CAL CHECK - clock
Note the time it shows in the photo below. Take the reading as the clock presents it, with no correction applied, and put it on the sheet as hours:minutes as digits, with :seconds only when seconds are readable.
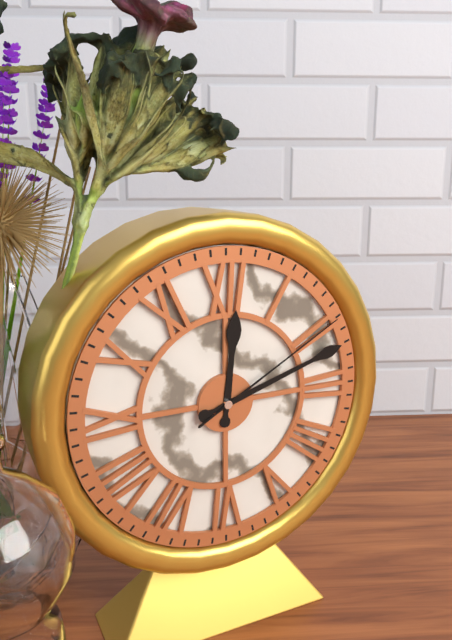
12:12:10
